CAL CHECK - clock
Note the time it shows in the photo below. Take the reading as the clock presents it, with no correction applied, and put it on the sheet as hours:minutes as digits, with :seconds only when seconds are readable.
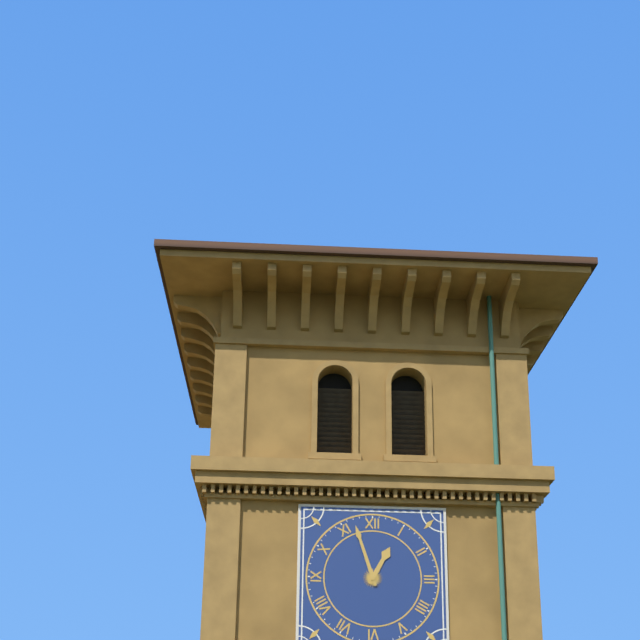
12:57
